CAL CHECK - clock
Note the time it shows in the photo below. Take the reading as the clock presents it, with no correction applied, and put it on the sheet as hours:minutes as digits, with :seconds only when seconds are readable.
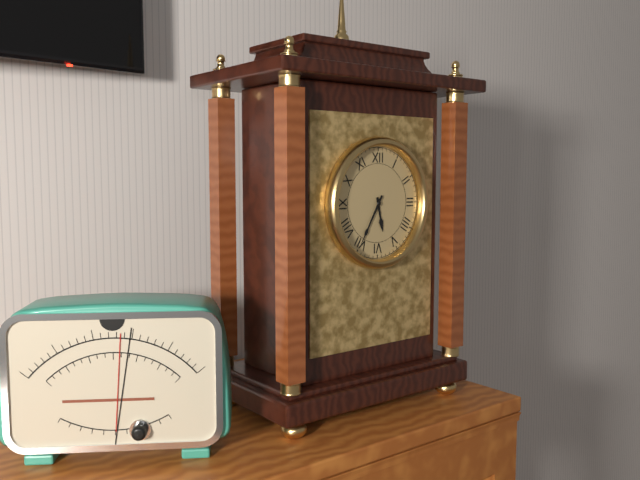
5:35
